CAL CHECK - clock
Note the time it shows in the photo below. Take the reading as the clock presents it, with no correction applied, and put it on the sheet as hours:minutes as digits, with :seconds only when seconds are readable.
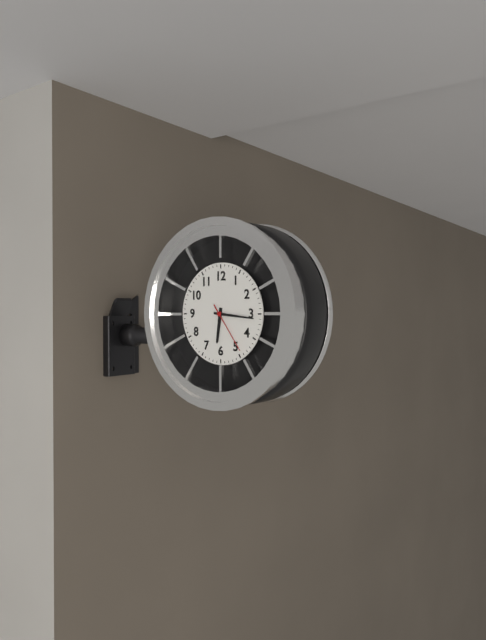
6:16
